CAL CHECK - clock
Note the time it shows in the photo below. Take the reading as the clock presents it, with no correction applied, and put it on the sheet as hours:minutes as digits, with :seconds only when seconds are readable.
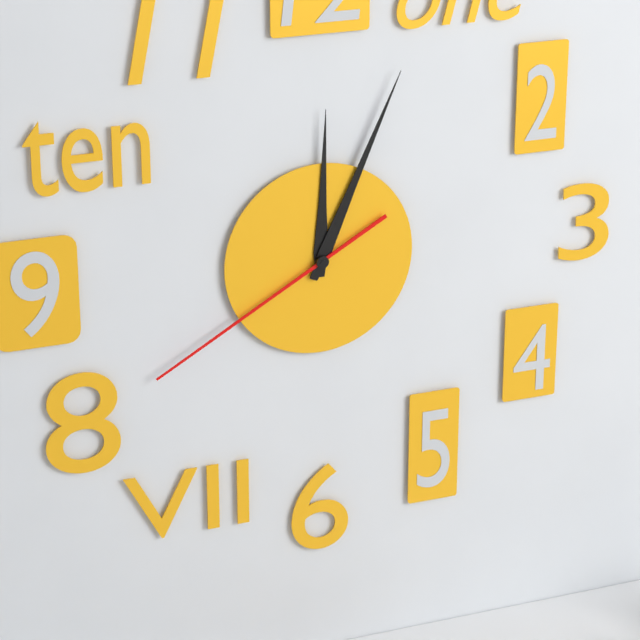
12:04:40
